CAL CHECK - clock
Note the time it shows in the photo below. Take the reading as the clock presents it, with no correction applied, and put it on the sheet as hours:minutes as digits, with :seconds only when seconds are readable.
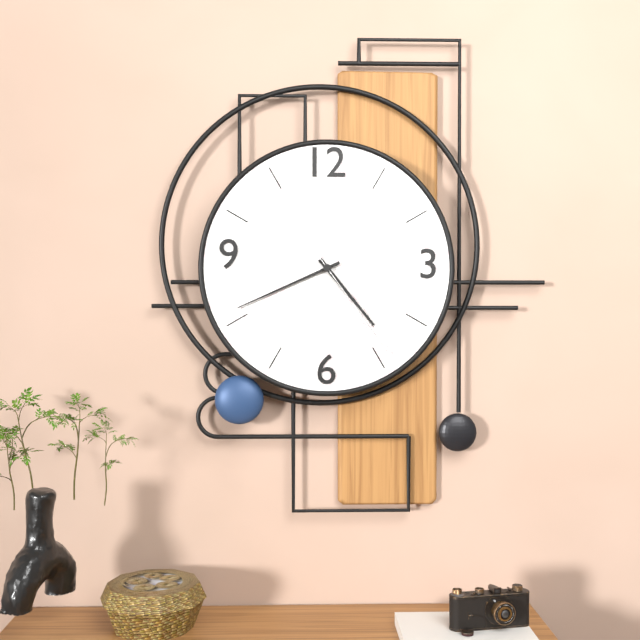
4:41:24
